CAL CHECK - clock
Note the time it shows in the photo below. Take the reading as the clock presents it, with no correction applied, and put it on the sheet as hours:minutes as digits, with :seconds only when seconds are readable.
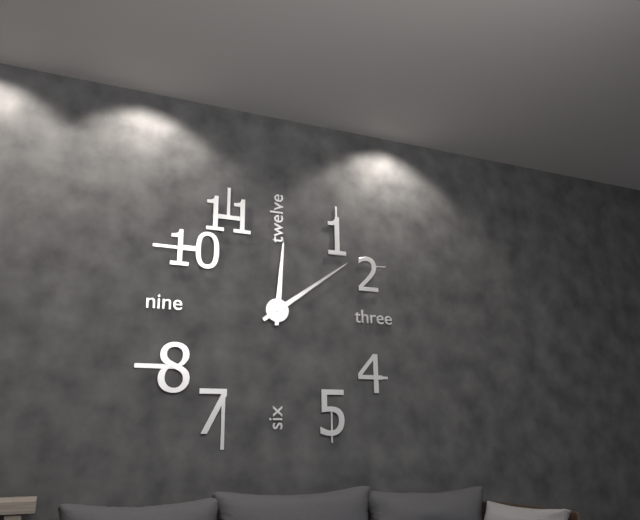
12:09
